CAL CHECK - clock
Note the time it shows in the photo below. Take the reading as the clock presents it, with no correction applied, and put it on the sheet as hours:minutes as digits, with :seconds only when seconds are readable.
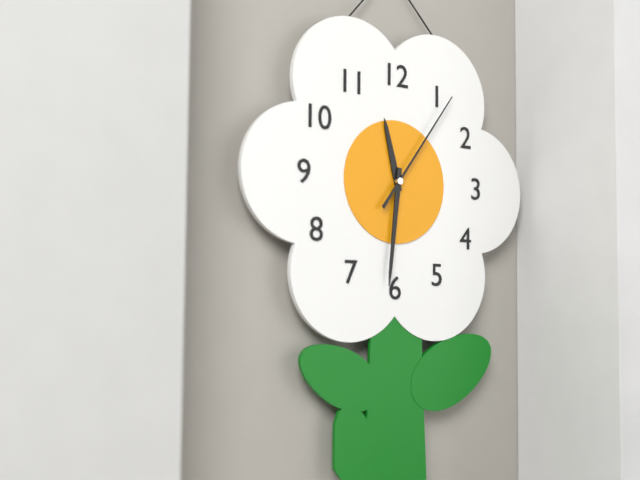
11:31:06
